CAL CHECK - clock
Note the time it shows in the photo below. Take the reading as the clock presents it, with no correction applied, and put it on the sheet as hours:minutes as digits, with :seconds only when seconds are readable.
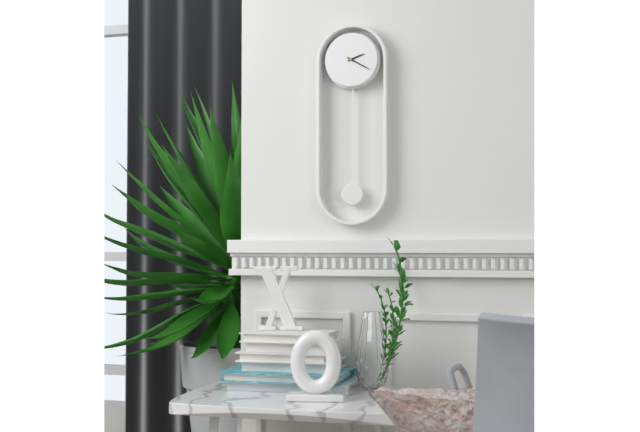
2:20
